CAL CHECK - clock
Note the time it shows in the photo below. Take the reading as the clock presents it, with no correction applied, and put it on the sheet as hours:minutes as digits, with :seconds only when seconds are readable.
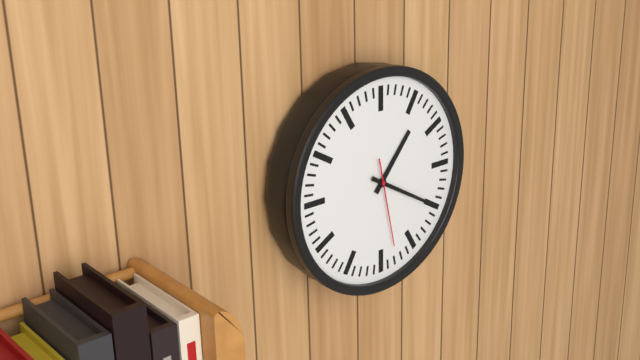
1:20:28
